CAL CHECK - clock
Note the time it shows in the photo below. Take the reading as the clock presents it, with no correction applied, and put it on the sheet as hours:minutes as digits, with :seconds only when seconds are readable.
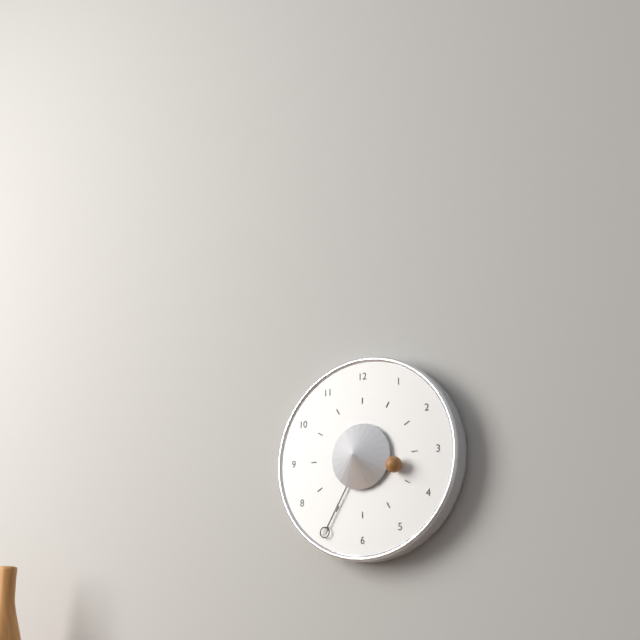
3:35
